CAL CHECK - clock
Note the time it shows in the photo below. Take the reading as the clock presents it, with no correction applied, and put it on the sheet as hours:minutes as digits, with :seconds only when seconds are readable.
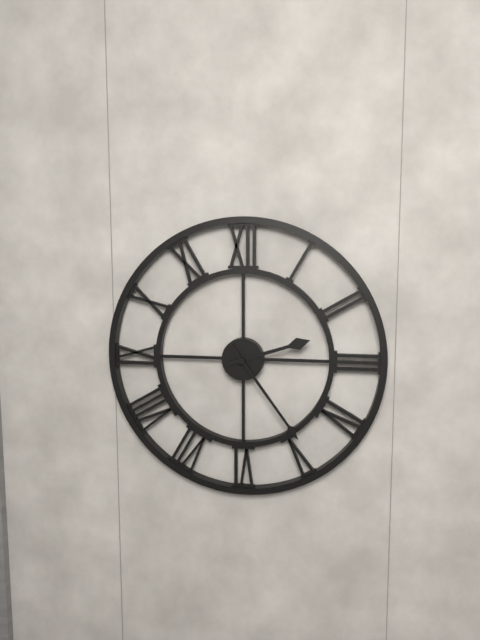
2:24
